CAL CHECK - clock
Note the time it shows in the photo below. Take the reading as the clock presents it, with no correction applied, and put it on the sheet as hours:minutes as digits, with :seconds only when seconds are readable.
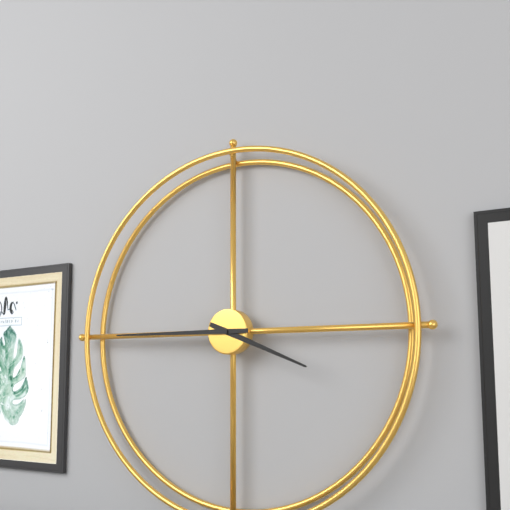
3:45
